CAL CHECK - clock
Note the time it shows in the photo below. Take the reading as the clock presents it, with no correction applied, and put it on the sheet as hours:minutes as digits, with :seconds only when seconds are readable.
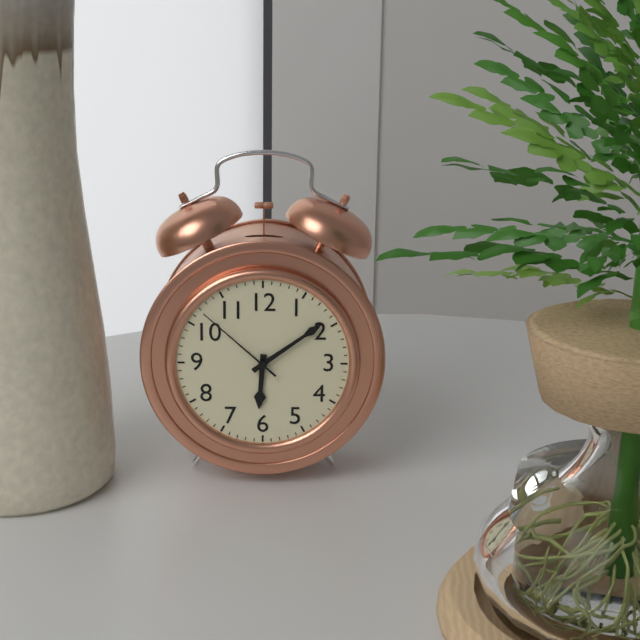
6:09:52
